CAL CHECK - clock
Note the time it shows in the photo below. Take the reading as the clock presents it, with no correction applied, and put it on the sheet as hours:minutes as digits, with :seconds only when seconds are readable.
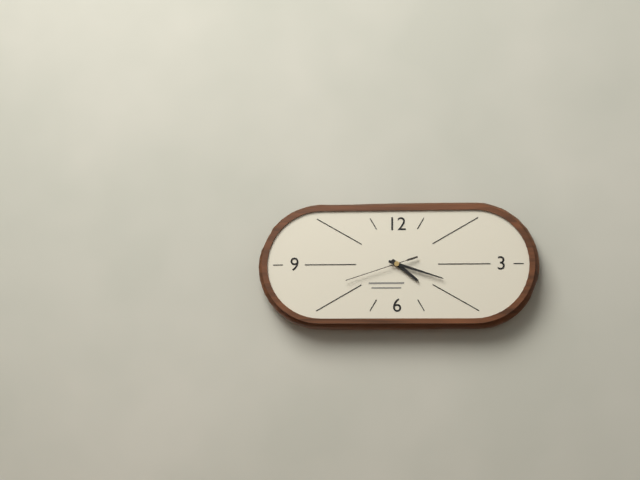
4:18:42
